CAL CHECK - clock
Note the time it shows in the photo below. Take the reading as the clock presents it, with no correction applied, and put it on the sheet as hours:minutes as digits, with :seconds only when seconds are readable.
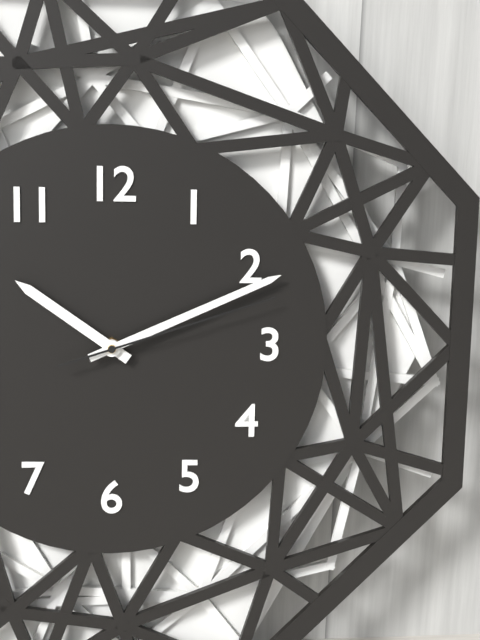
10:11:12
